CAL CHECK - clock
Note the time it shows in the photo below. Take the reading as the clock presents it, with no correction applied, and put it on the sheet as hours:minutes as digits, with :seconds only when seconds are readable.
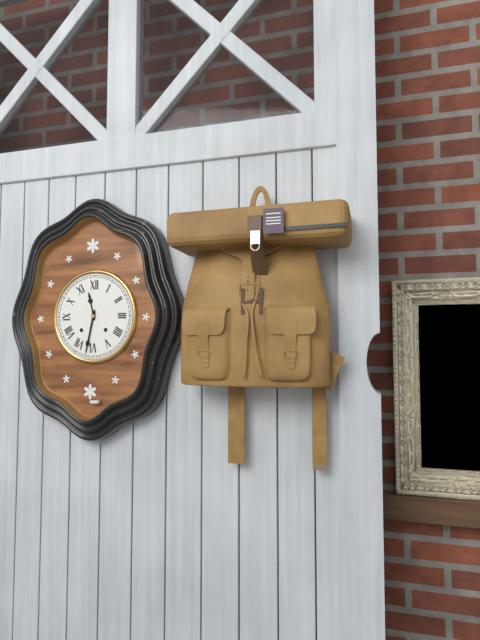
11:32
